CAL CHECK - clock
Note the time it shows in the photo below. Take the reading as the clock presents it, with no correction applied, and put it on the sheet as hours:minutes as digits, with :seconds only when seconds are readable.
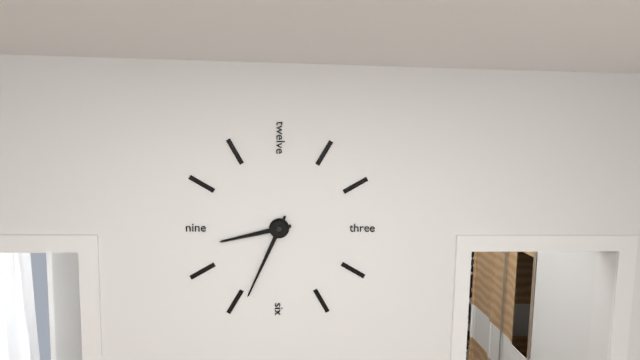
8:34
